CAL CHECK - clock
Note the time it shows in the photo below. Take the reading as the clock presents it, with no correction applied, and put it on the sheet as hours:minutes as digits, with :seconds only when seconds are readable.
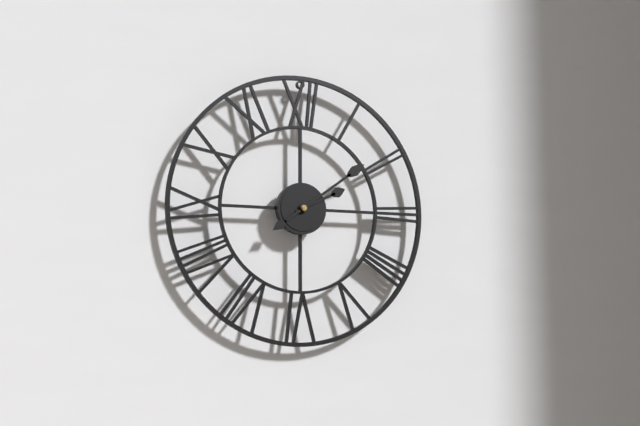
2:09
